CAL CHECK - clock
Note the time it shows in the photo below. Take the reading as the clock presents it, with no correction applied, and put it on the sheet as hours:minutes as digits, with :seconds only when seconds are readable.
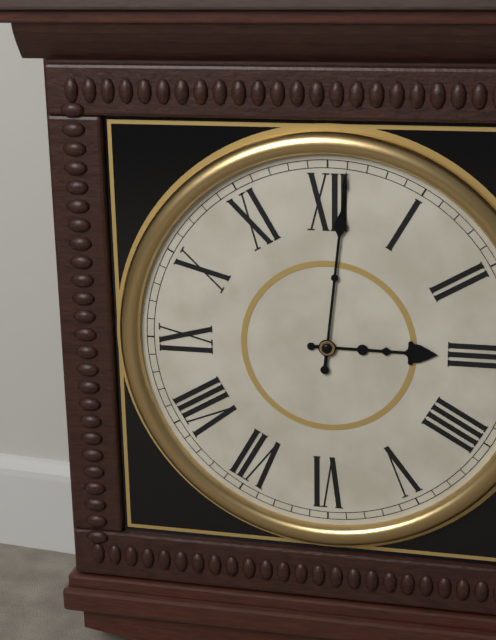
3:01
